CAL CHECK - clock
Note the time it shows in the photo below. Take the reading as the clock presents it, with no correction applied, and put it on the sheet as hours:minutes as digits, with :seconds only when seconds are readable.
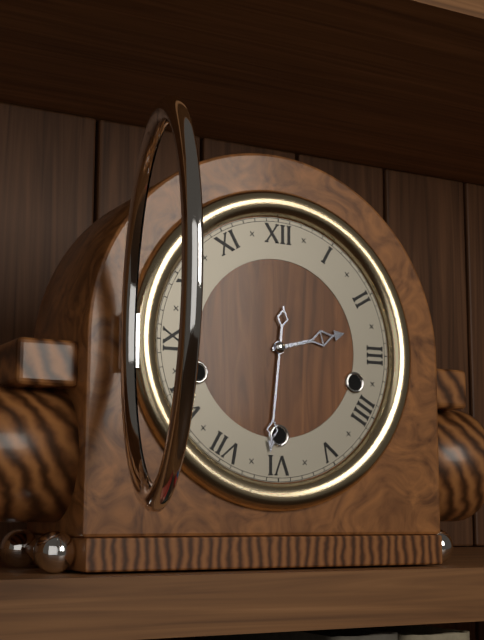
2:31
